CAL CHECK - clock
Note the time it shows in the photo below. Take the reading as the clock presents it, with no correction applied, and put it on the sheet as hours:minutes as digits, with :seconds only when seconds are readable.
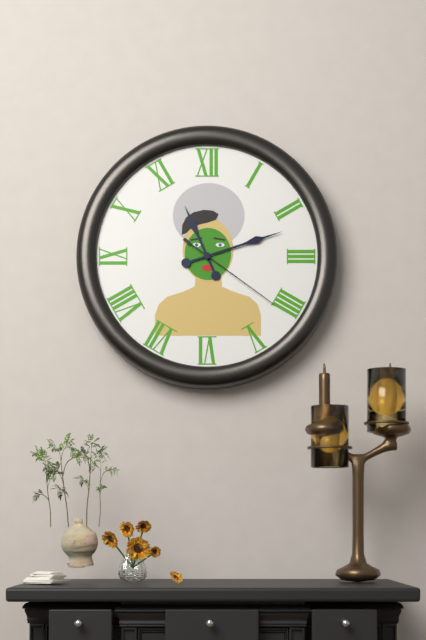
11:12:21
